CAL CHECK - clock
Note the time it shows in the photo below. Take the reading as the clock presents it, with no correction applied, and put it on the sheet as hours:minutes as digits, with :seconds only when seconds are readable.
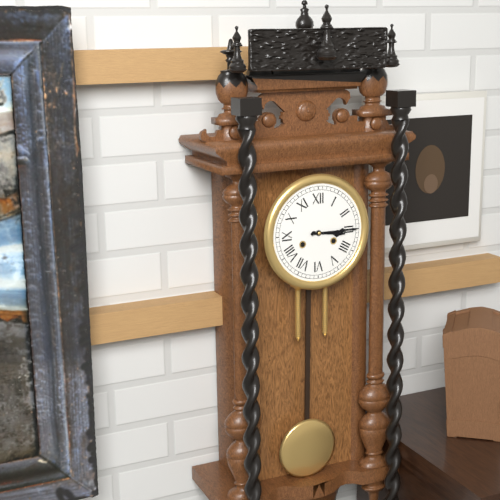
3:15
